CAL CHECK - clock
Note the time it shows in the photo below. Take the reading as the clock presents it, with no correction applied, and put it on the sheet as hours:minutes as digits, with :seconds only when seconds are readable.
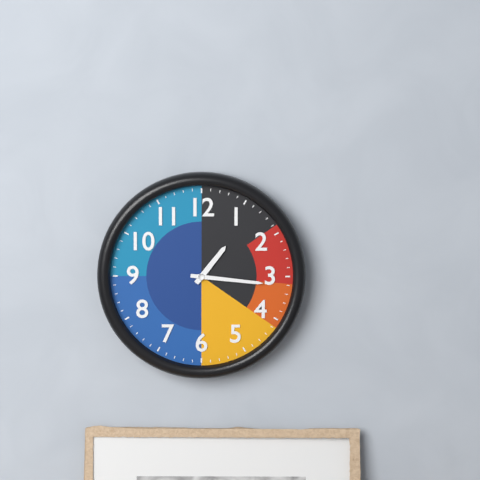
1:16
